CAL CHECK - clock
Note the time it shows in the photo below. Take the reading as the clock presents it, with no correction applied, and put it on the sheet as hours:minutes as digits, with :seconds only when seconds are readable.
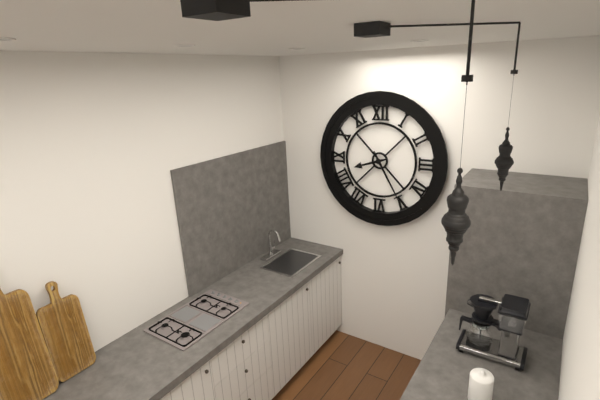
8:25
